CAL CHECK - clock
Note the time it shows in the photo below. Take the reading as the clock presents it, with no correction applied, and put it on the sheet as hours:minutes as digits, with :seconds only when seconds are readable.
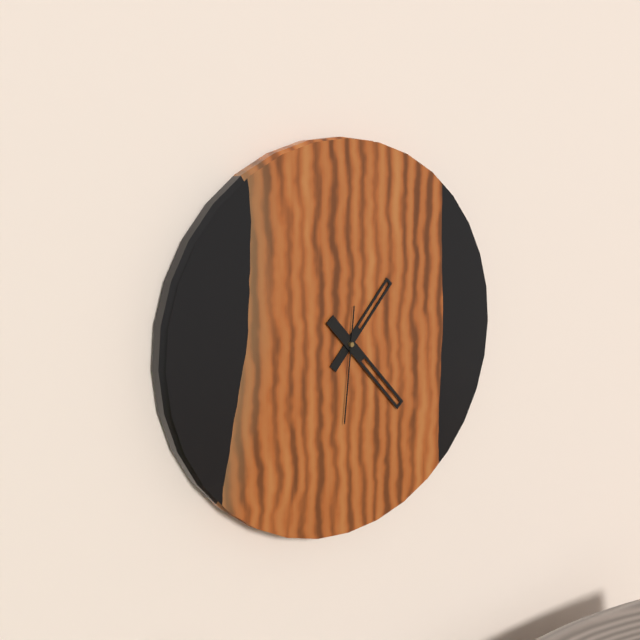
1:23:31
